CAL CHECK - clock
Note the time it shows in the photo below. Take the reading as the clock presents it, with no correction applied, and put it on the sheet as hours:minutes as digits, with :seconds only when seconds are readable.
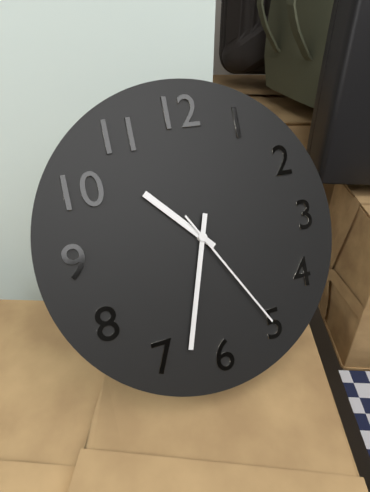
10:33:25
